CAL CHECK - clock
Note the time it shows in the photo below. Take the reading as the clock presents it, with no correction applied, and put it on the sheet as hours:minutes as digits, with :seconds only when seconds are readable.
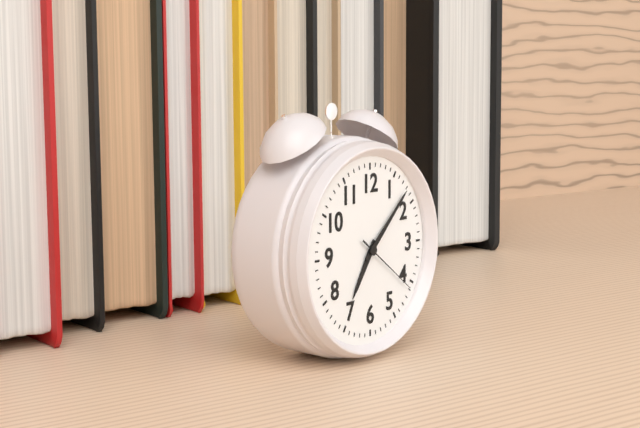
7:08:21
